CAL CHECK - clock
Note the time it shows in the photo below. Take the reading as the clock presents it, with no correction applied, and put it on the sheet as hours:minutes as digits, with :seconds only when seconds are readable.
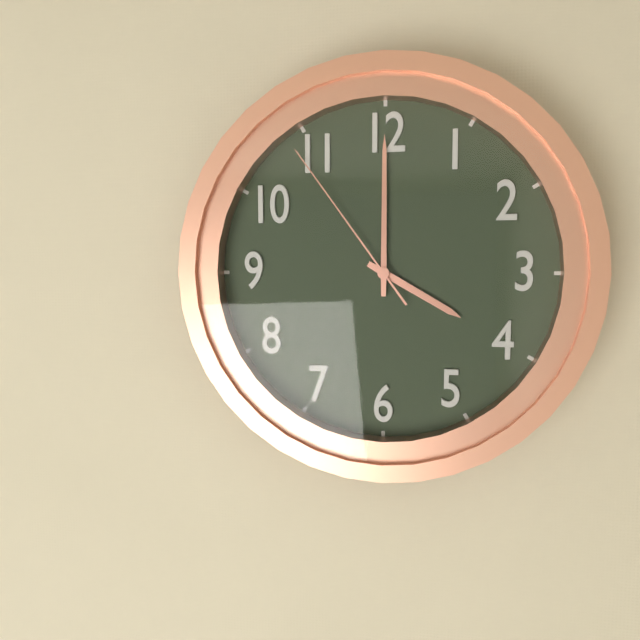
4:00:54
